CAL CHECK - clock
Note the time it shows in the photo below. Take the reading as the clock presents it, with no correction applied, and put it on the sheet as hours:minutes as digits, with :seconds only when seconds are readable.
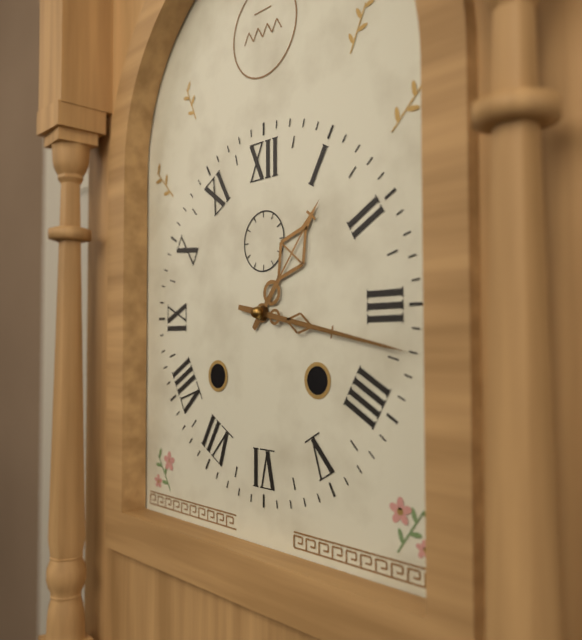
1:17
